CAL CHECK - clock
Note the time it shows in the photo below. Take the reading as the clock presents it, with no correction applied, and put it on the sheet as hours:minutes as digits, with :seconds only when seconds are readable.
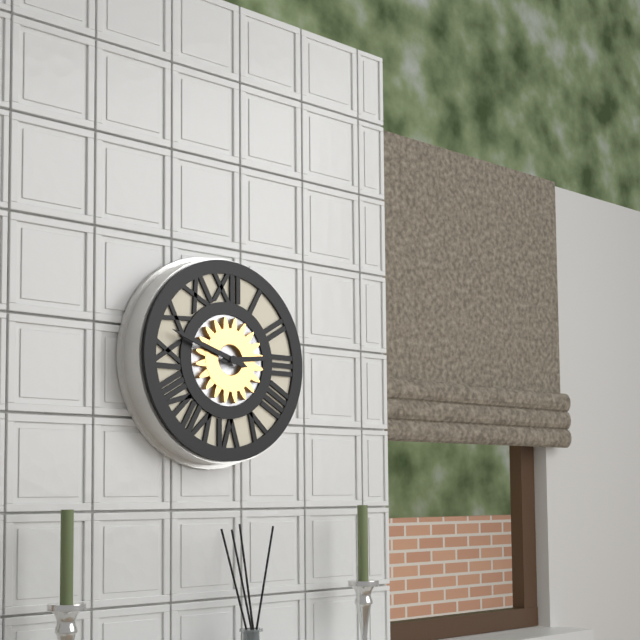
2:48
